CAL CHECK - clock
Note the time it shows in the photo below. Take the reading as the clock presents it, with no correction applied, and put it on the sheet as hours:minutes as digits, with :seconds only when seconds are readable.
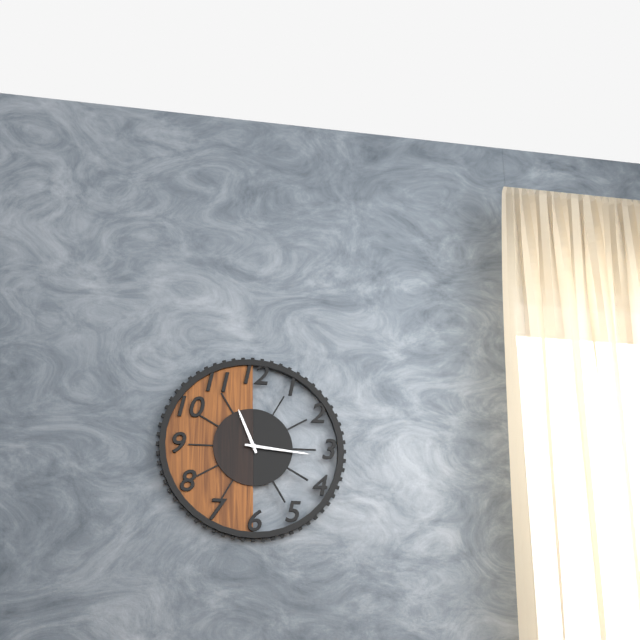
11:16
